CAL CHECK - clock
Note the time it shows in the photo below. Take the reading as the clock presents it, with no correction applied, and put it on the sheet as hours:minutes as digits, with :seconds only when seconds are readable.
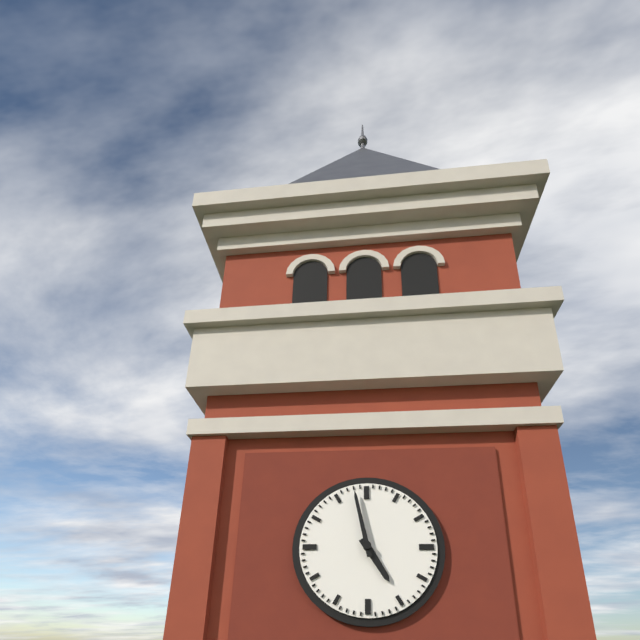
4:58
